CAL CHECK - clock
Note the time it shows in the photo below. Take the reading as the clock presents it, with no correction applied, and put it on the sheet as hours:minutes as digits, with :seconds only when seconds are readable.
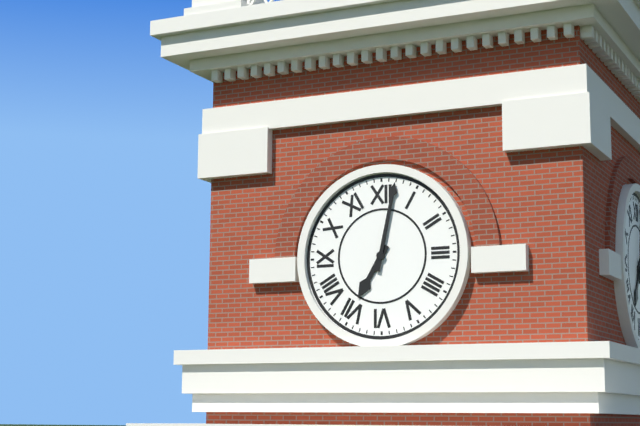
7:02
